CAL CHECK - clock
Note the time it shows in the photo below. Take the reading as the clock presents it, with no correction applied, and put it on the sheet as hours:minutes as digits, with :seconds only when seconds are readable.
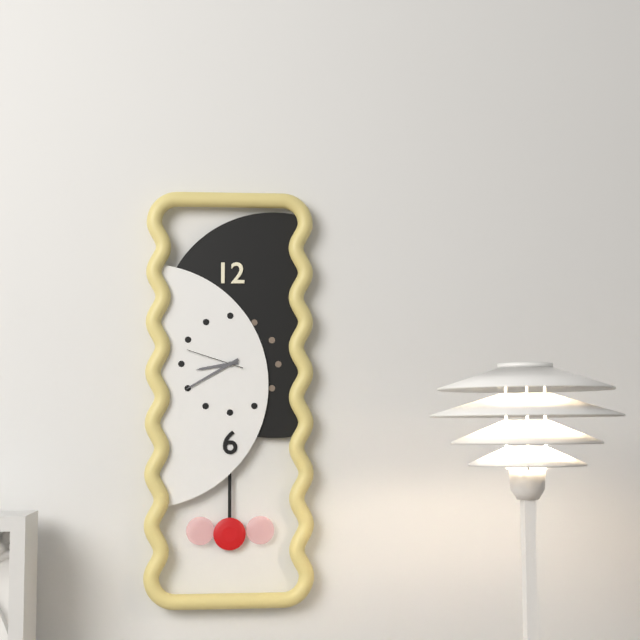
8:40:48
